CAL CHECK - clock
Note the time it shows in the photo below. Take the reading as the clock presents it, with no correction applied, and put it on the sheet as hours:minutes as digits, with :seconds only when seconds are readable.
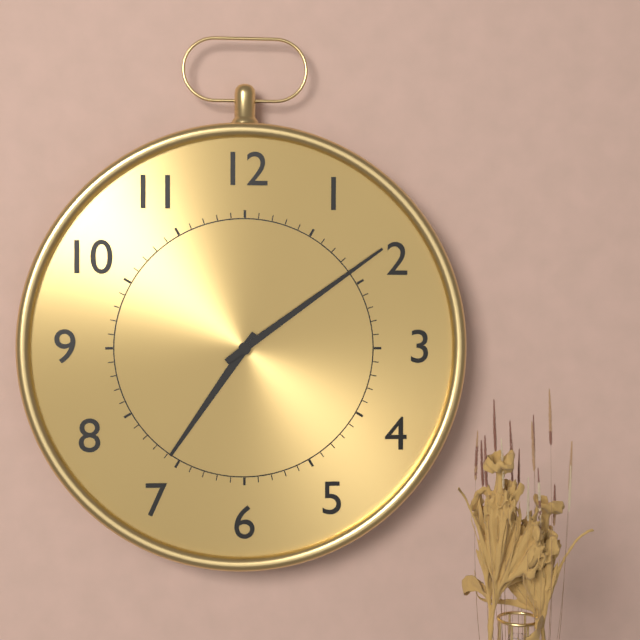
7:09
